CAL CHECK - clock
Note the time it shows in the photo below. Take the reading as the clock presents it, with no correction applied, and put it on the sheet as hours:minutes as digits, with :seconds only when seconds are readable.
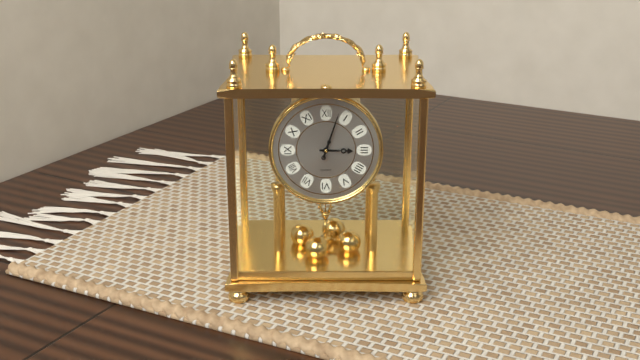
3:03
